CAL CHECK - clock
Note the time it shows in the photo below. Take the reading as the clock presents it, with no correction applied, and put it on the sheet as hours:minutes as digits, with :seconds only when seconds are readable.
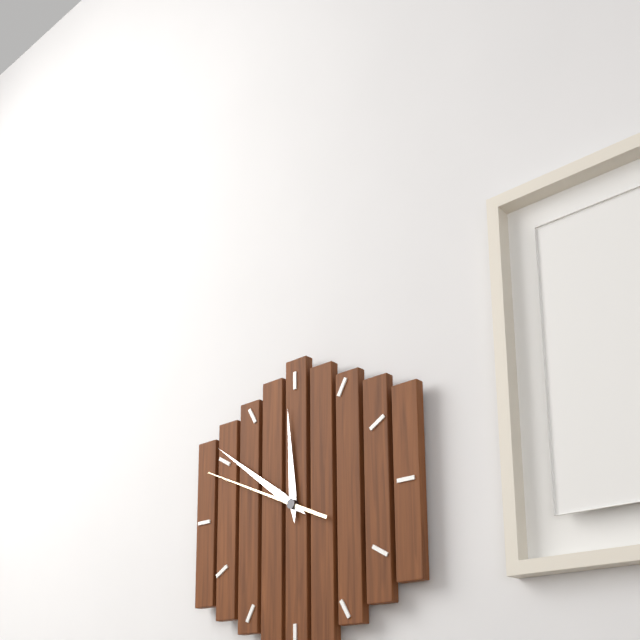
11:51:49
